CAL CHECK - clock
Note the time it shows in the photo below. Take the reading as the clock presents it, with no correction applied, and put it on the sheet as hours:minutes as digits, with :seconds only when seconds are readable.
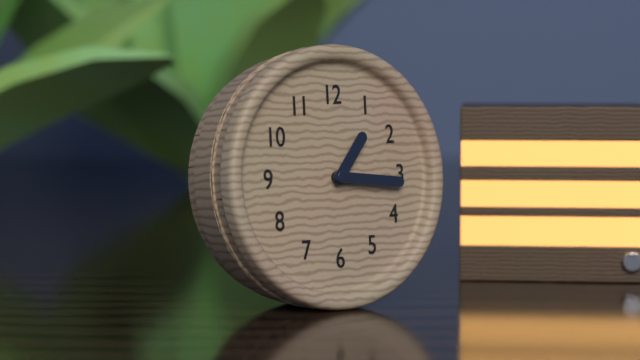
1:16
